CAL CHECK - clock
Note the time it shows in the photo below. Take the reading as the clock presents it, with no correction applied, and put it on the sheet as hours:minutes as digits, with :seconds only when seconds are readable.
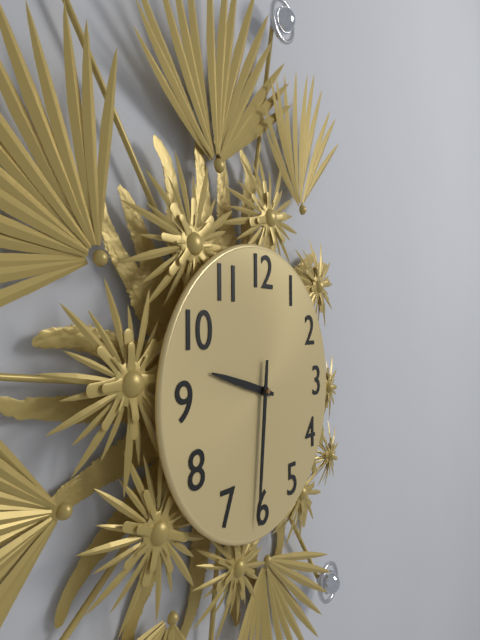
9:31
